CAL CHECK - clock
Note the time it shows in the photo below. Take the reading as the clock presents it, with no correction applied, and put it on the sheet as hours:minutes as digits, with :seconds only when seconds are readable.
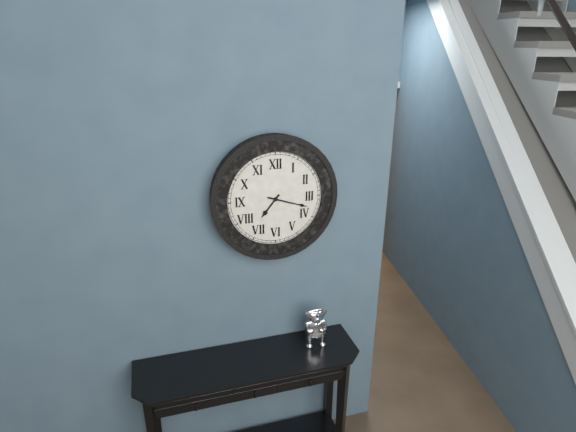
7:18
